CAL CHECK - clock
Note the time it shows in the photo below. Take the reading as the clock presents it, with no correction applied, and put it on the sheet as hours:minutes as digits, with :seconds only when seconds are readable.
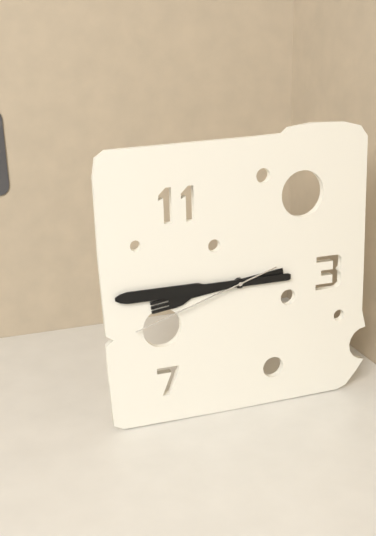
8:45:42
